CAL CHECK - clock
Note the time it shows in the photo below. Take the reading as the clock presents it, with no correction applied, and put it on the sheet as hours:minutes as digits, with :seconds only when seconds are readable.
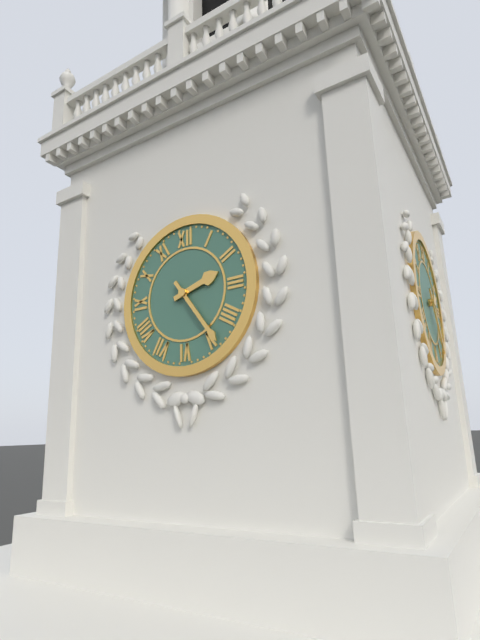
2:24
